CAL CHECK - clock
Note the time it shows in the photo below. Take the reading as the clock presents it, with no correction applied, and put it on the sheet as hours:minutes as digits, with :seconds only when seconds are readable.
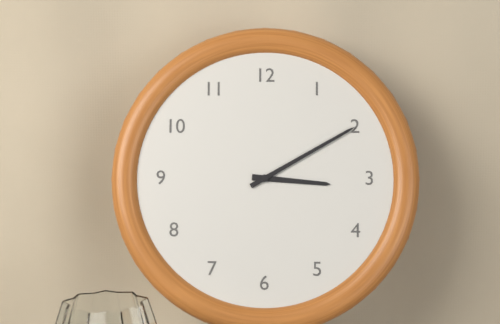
3:10
